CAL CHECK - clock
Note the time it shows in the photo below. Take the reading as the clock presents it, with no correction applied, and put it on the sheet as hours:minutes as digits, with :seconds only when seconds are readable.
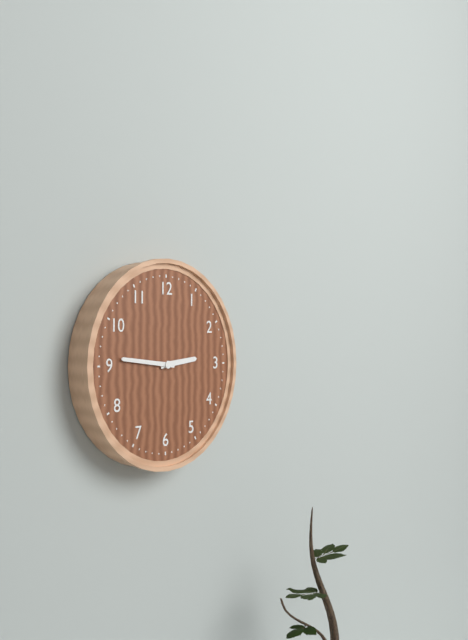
2:46
